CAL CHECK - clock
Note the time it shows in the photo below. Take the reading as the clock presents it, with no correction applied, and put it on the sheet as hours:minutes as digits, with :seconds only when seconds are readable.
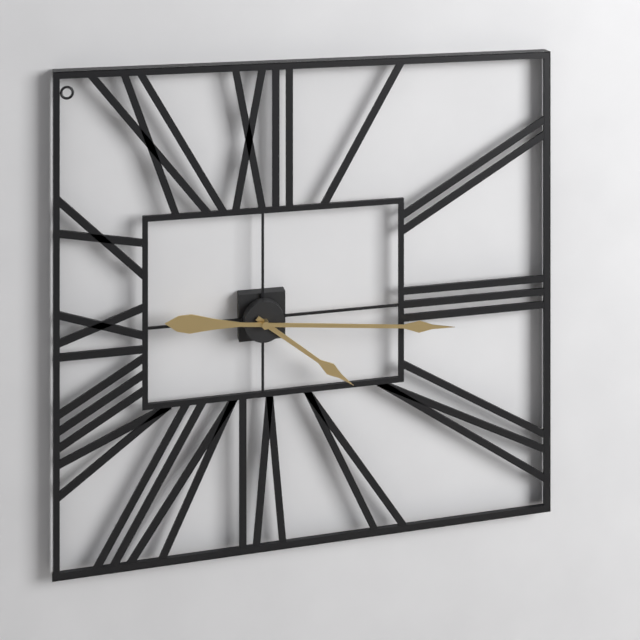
4:16
